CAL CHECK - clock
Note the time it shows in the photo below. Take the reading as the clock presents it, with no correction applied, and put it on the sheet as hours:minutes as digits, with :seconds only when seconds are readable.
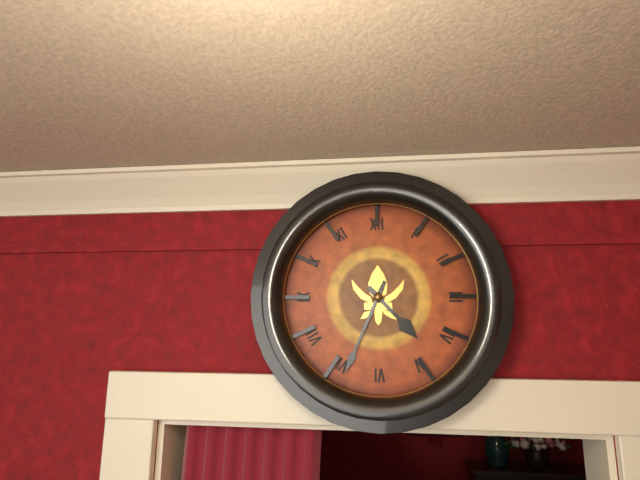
4:34
